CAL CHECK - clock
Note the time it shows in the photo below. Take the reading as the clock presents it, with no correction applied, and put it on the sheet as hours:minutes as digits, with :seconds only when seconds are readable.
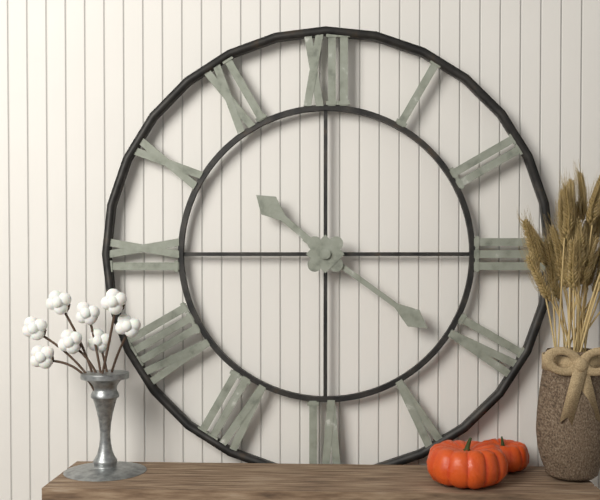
10:21
